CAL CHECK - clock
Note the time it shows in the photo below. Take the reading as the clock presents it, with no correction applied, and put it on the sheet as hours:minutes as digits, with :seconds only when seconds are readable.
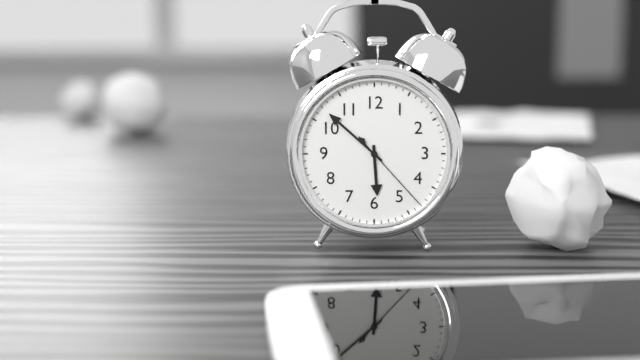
5:52:23
